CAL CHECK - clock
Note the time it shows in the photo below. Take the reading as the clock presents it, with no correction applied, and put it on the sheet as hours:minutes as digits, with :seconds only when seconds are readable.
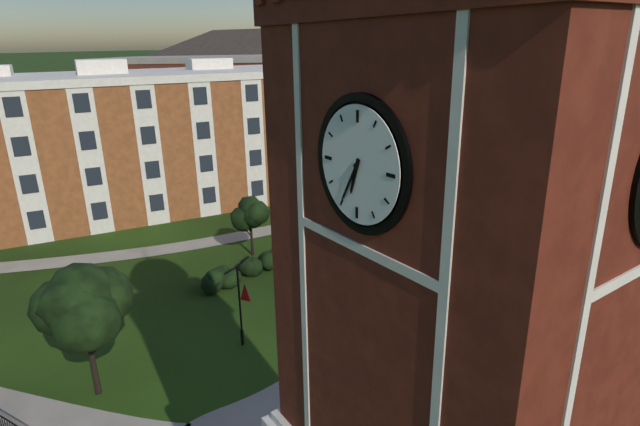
6:35
